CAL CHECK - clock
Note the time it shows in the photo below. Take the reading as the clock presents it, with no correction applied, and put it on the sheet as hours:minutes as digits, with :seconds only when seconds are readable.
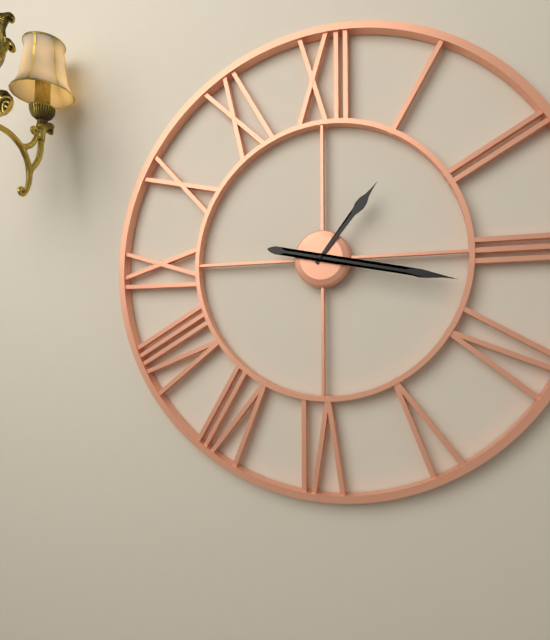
1:17
